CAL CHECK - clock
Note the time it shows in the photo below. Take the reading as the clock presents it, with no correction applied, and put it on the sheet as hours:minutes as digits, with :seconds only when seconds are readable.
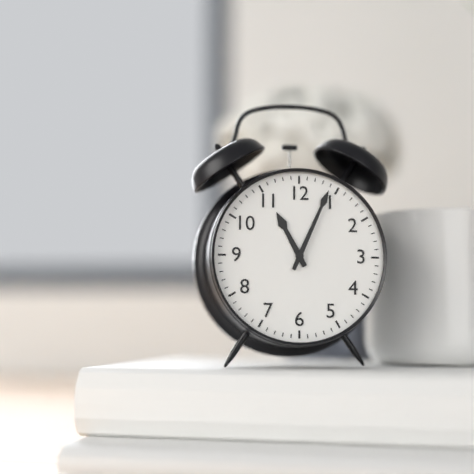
11:04
